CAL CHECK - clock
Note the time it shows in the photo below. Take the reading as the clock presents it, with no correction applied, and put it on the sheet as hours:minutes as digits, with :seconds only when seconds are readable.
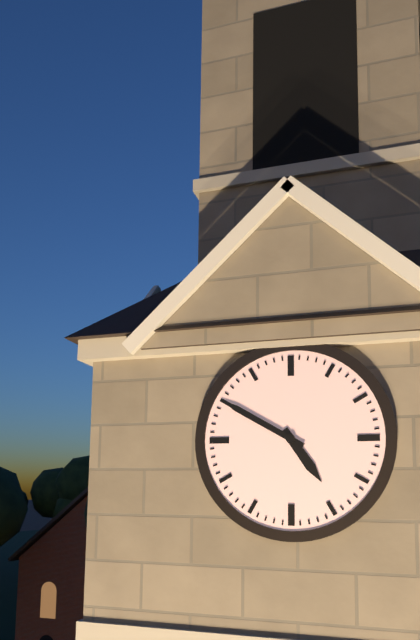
4:50
